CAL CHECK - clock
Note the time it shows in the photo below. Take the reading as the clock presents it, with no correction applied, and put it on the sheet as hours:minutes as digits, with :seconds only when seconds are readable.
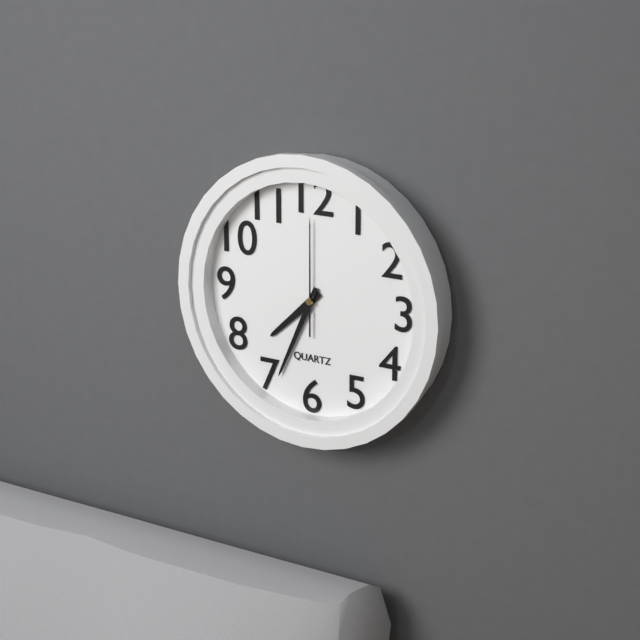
7:34:00
